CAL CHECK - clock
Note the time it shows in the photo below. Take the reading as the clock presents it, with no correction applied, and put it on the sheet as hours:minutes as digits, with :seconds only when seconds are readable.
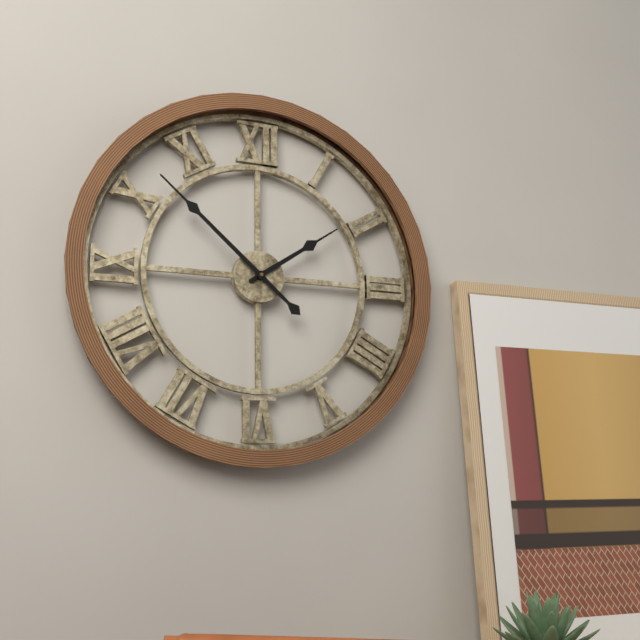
1:52
